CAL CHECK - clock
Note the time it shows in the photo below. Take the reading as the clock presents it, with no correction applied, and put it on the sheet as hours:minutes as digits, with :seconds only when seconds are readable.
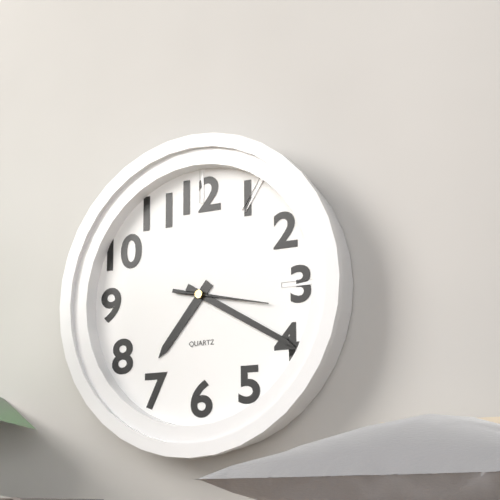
7:20:17
